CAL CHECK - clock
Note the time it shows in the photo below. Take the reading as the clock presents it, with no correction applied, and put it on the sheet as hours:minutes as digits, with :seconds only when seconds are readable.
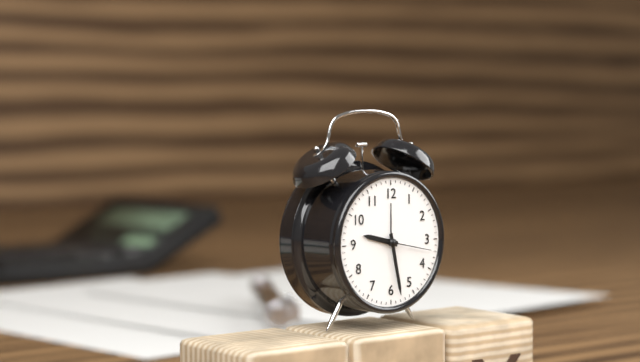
9:28
